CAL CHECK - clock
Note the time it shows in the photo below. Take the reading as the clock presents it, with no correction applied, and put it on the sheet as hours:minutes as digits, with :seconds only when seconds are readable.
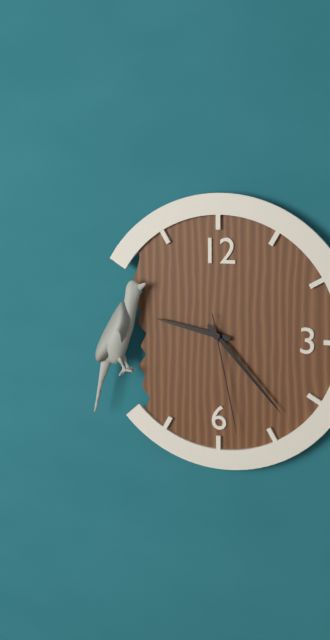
9:23:28
